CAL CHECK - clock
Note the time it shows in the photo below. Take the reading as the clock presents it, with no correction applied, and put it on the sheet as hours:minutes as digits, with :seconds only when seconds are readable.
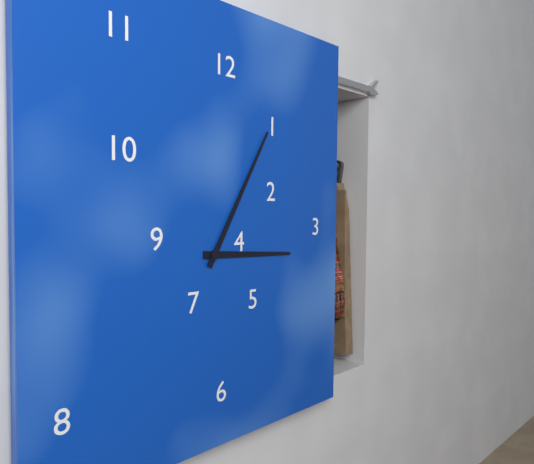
3:05
